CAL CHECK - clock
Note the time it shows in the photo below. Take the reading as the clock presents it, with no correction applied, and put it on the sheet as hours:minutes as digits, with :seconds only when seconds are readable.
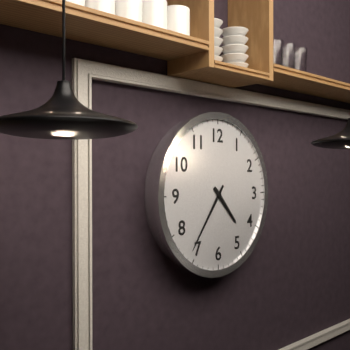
4:36
